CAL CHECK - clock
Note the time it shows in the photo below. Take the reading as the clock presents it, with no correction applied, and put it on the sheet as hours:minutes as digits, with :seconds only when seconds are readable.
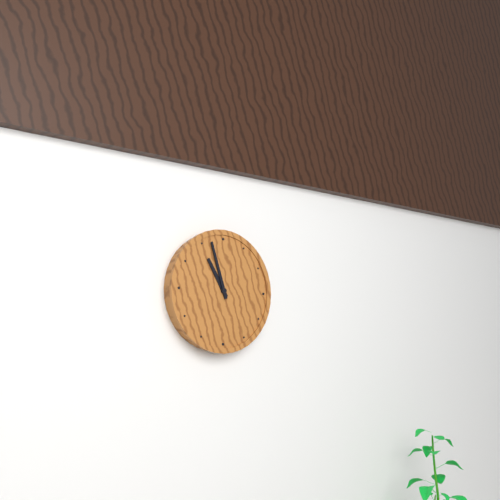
10:57
